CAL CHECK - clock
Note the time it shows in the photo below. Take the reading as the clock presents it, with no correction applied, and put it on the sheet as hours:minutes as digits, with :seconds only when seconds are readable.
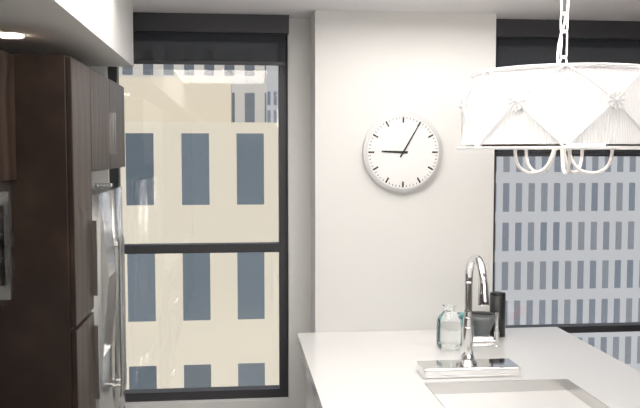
9:05
